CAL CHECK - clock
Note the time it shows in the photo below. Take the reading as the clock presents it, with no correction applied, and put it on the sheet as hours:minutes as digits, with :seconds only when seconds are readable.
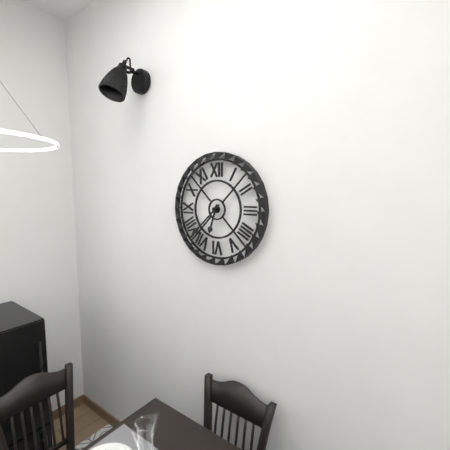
6:38
